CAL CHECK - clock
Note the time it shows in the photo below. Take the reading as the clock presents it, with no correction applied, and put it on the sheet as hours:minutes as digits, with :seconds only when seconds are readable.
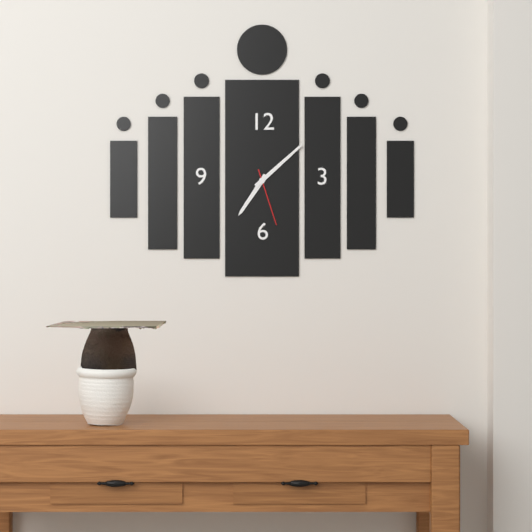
7:08:27
